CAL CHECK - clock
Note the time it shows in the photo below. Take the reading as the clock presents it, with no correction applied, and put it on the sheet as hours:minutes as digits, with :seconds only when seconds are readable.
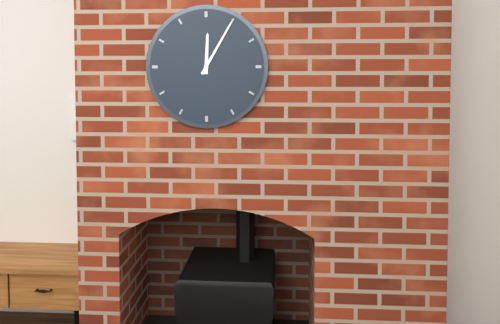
12:05
